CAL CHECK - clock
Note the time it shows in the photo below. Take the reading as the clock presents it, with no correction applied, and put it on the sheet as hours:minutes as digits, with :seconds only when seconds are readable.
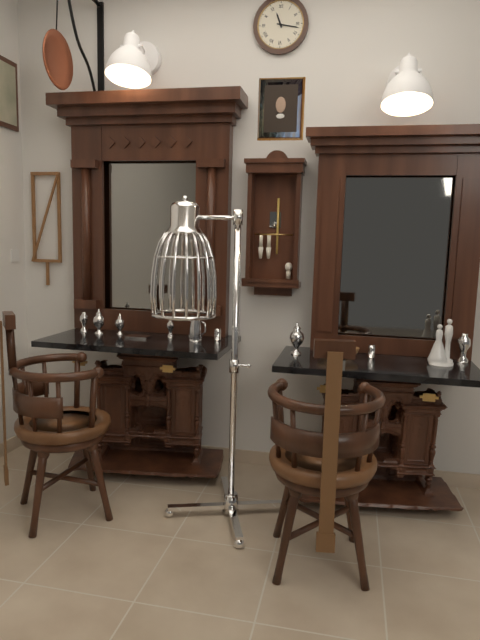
11:17
